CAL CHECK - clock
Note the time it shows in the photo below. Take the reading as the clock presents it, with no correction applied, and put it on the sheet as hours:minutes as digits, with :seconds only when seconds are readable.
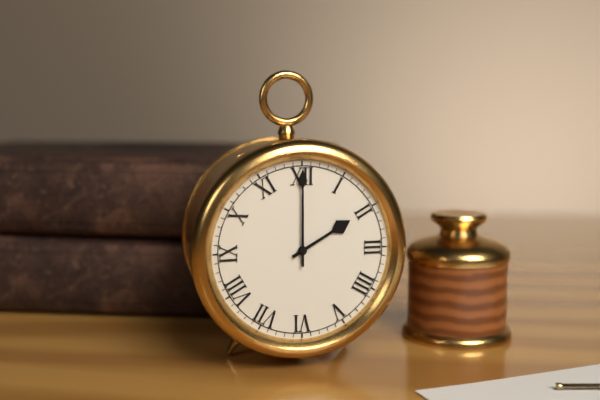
2:00
